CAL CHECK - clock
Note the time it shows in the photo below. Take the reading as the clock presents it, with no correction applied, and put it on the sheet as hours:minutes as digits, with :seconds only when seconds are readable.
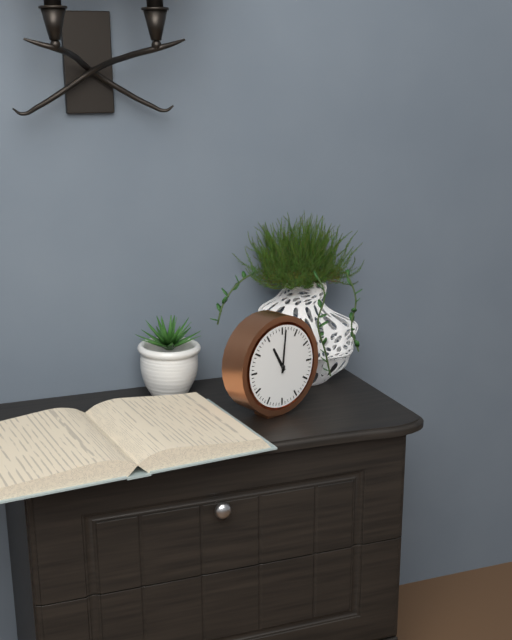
11:01
